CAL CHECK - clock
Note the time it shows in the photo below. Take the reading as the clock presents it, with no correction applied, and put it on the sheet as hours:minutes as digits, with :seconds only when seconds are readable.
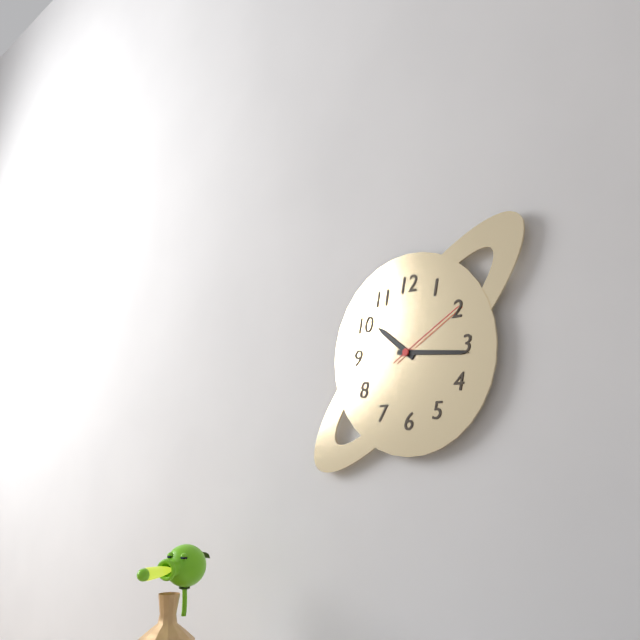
10:16:10
